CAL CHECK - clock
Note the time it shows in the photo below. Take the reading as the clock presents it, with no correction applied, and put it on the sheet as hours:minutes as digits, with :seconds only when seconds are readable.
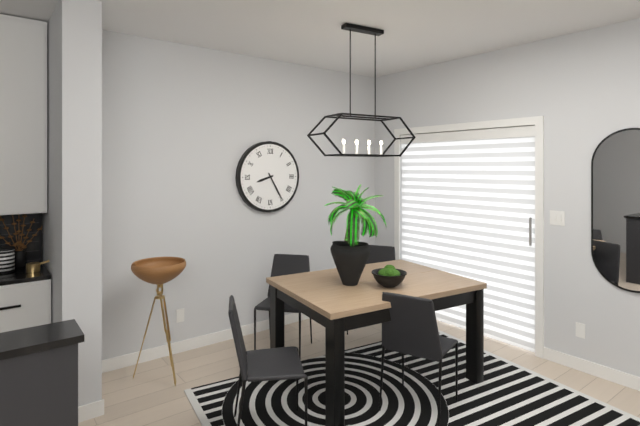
8:25
